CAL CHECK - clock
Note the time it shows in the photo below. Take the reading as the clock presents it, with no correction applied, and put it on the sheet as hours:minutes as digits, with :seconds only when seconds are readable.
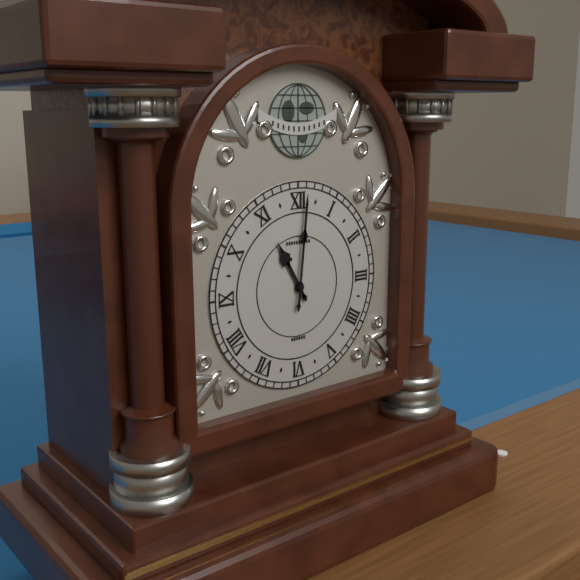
11:01
